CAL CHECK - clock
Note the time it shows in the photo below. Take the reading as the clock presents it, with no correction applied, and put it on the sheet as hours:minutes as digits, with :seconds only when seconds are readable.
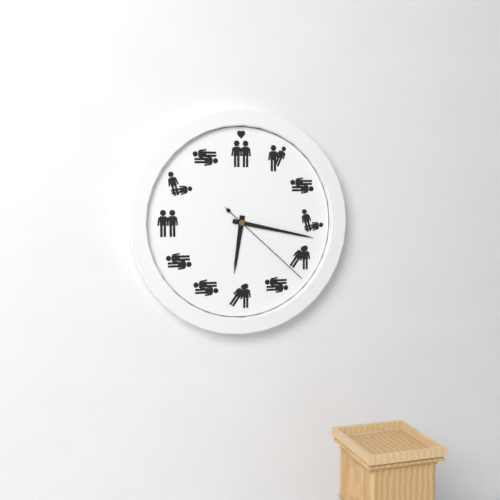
6:17:22
